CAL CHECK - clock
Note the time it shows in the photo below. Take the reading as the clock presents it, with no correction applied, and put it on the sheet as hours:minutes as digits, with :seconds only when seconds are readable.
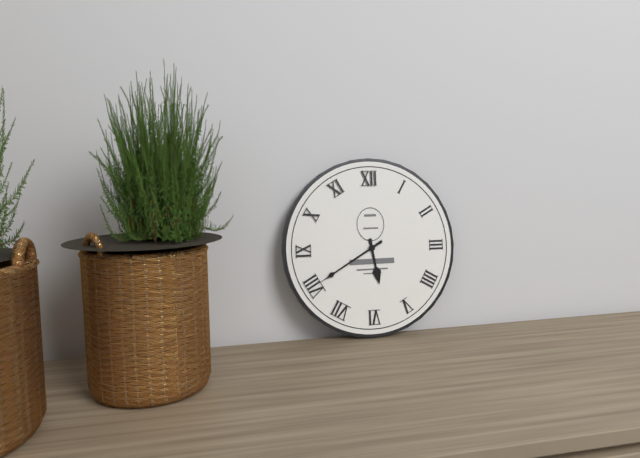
5:40
